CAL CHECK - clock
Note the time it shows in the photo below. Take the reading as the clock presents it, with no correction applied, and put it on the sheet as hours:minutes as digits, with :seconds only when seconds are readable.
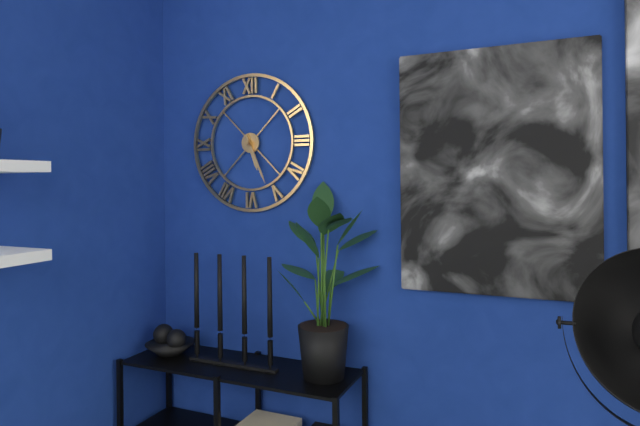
5:26
